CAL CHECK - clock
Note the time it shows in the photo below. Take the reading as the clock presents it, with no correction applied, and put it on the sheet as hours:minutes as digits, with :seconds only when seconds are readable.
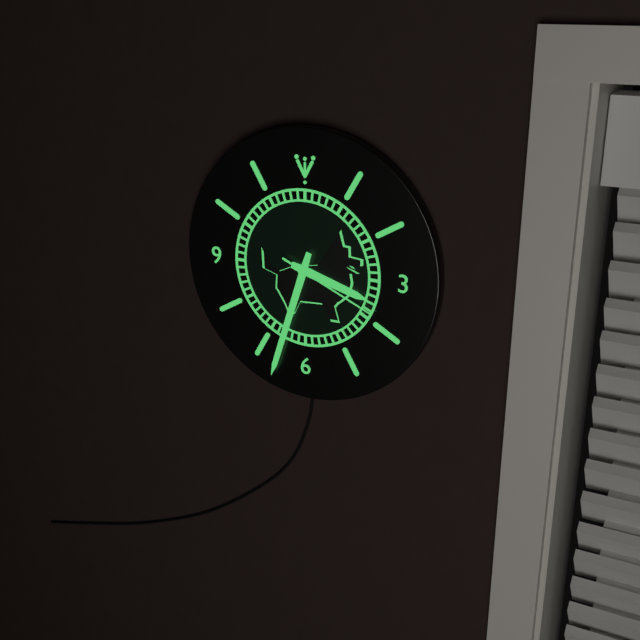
3:33:19
